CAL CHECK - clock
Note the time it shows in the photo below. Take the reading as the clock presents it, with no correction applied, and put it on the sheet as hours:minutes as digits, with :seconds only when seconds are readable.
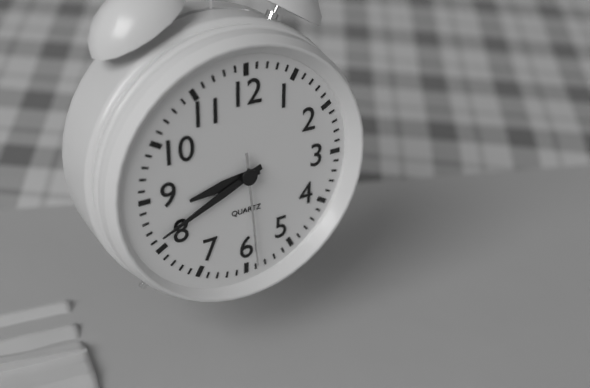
8:41:29
